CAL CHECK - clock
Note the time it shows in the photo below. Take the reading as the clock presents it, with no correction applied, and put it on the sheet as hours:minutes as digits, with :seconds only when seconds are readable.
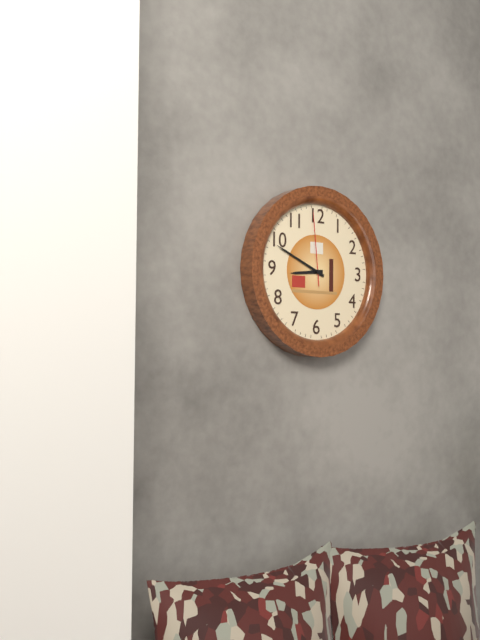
8:49:59
